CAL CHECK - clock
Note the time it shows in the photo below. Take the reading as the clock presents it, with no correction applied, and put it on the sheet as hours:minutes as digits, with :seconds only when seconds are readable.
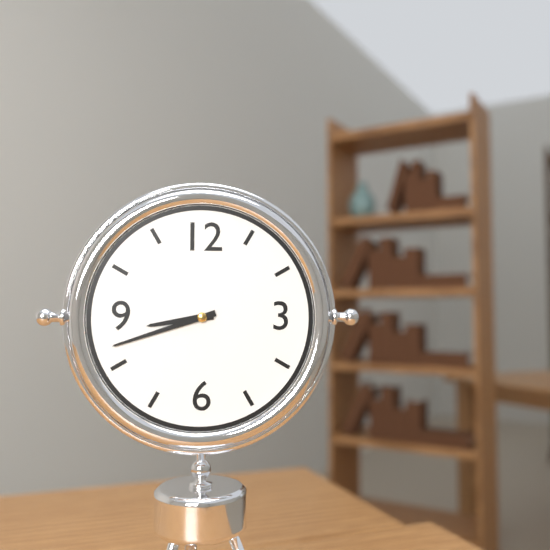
8:42
